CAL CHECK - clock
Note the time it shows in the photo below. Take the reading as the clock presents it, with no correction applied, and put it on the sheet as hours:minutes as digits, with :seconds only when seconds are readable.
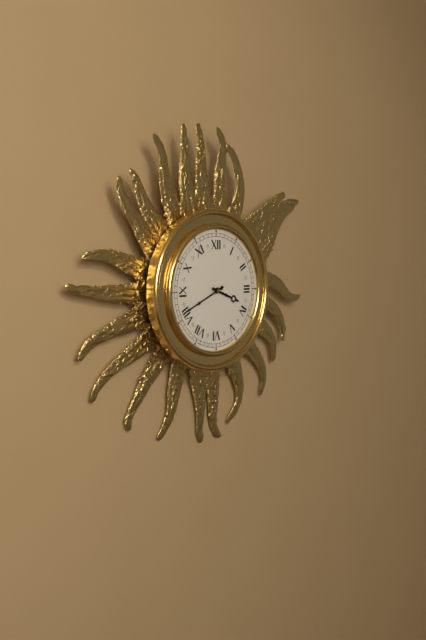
3:41
